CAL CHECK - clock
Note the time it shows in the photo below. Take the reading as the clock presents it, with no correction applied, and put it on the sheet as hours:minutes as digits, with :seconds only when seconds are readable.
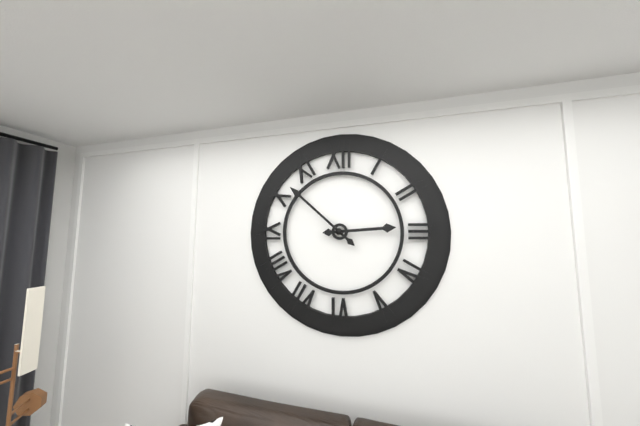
2:52
